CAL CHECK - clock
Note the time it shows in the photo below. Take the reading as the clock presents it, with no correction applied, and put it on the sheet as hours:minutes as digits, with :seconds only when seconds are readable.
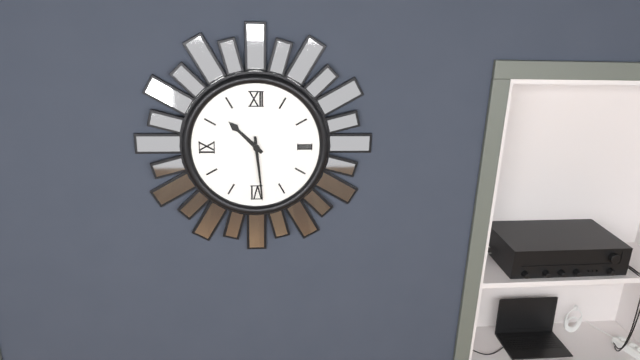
10:29
